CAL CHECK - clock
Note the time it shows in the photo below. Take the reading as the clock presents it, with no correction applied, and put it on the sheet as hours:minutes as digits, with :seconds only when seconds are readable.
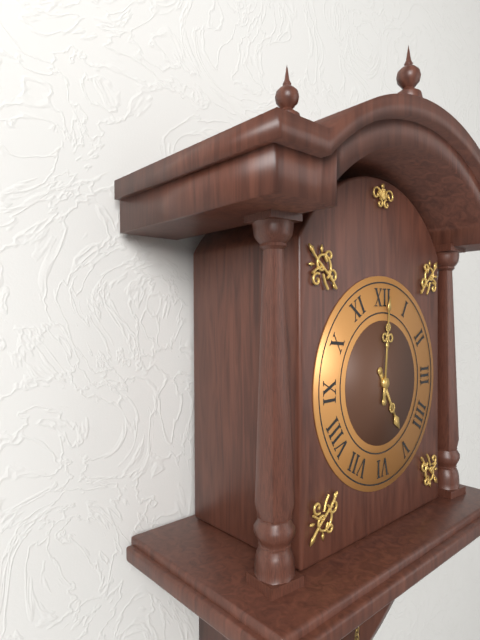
5:01
